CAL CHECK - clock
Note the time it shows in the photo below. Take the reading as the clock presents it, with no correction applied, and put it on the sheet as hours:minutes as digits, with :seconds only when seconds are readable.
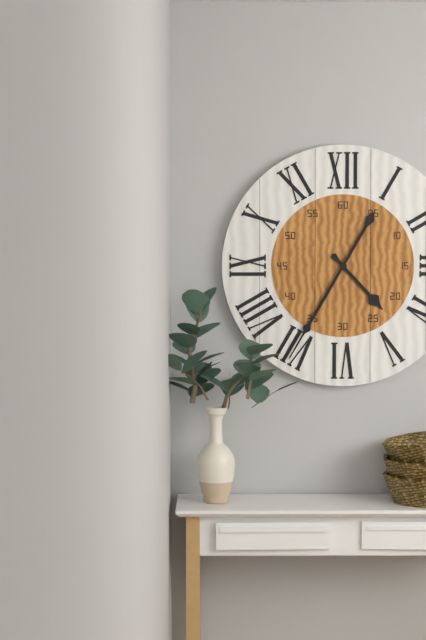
4:35
